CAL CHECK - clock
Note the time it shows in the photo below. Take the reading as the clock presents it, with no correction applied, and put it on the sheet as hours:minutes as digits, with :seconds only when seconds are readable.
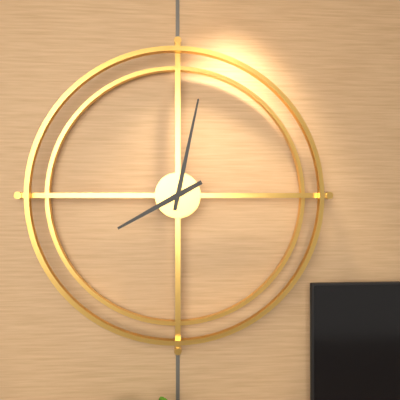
8:02
